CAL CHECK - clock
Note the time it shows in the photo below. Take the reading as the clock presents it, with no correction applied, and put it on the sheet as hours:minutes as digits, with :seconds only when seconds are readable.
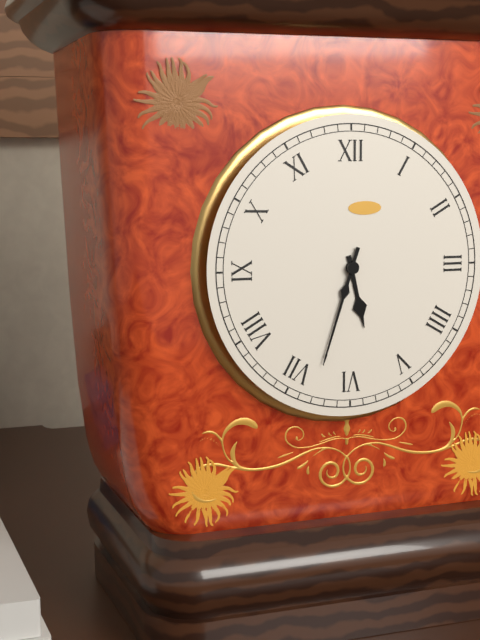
5:33
